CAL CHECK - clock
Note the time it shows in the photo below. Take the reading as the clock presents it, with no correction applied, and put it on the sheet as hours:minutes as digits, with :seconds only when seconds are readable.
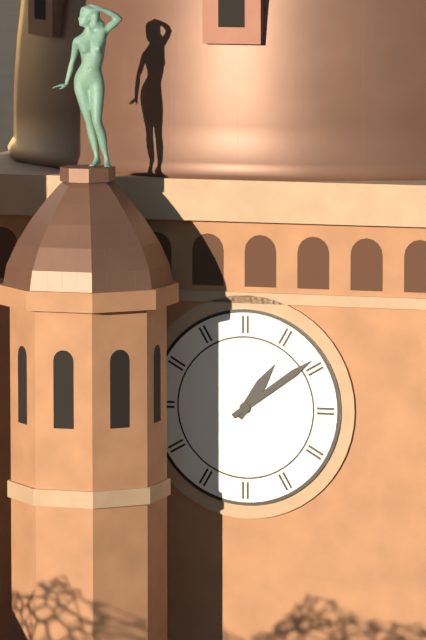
1:09
